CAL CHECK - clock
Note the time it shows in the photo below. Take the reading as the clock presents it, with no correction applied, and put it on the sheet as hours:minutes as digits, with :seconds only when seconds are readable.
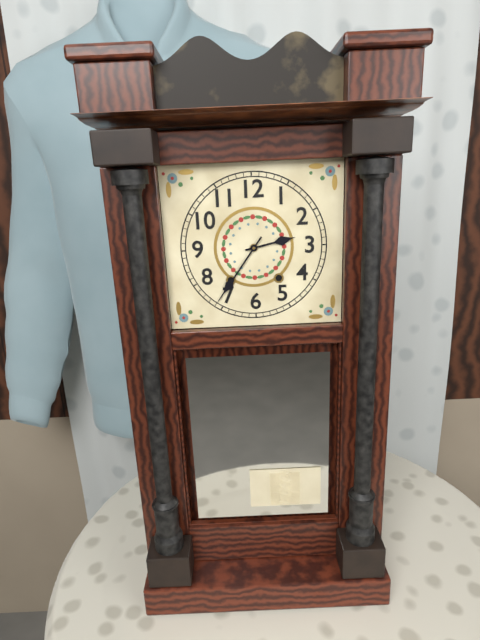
2:36
